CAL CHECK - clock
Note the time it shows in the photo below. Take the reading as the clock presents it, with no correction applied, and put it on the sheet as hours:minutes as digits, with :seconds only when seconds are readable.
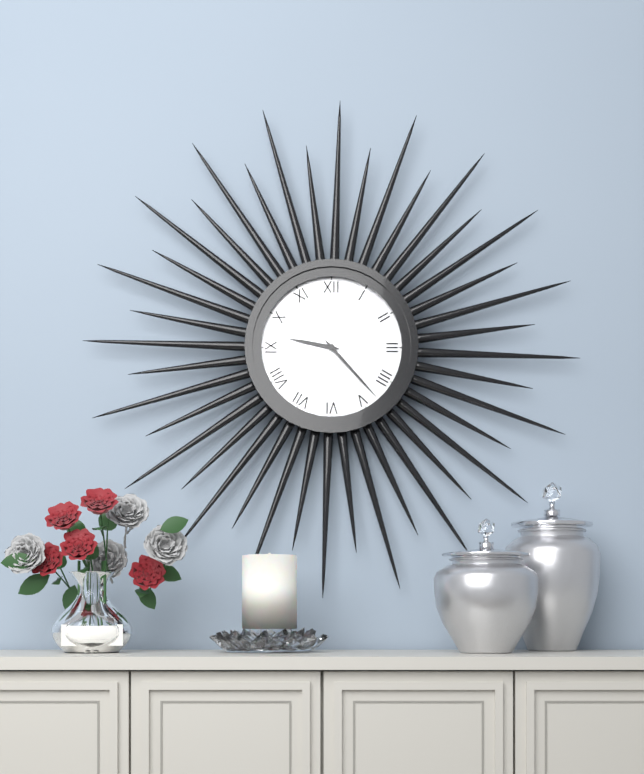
9:23
